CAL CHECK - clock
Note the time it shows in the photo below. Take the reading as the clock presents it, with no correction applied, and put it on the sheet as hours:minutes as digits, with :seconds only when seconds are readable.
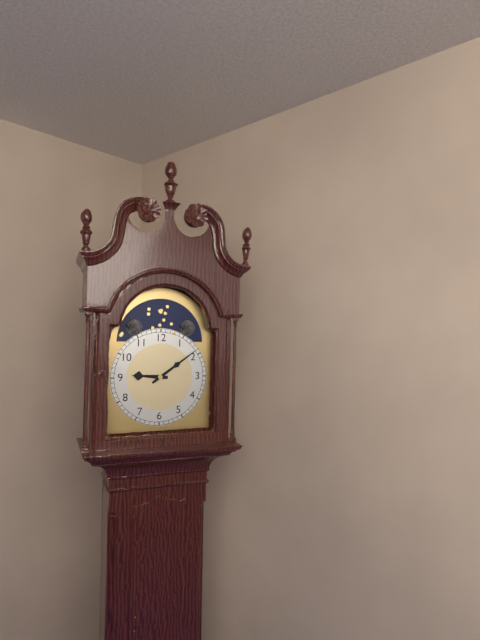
9:09
